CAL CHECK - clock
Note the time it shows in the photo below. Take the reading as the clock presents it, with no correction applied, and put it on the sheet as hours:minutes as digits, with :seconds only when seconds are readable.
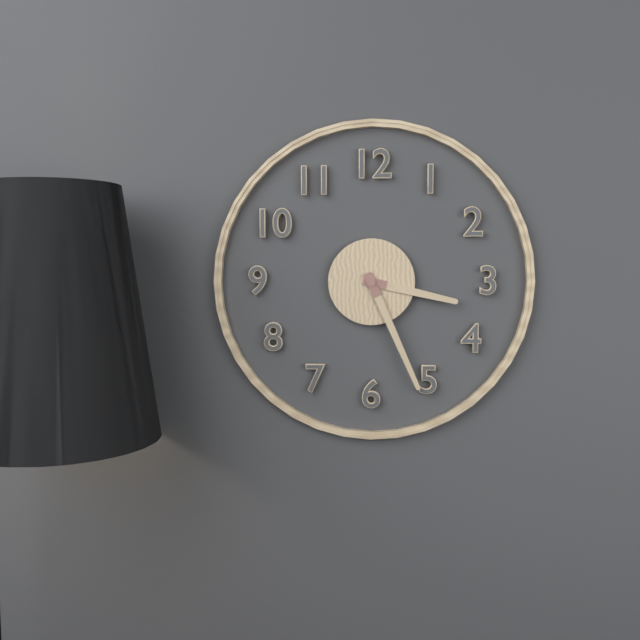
3:26
